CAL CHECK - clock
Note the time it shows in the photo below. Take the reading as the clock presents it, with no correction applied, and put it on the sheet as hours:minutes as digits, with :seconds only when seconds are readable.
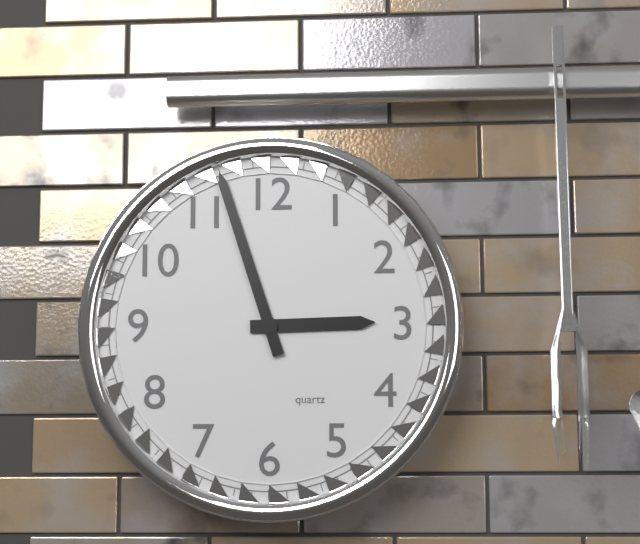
2:57
